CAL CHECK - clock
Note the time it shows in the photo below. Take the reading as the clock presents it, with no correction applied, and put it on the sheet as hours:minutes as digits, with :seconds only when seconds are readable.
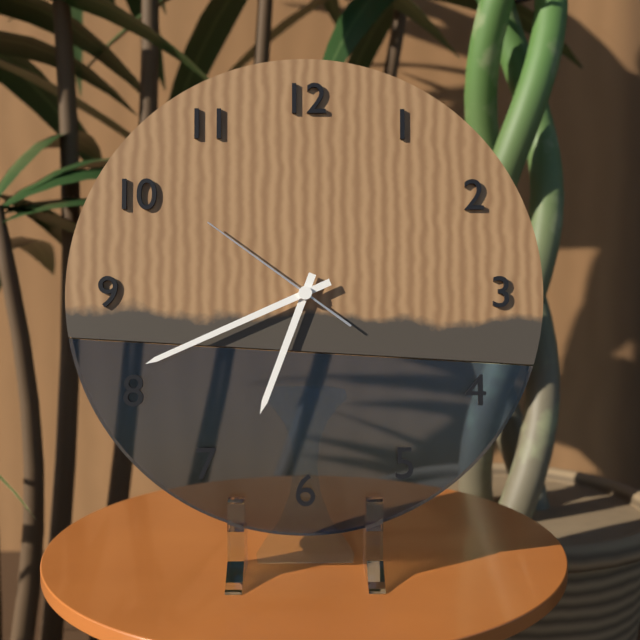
6:41:51
